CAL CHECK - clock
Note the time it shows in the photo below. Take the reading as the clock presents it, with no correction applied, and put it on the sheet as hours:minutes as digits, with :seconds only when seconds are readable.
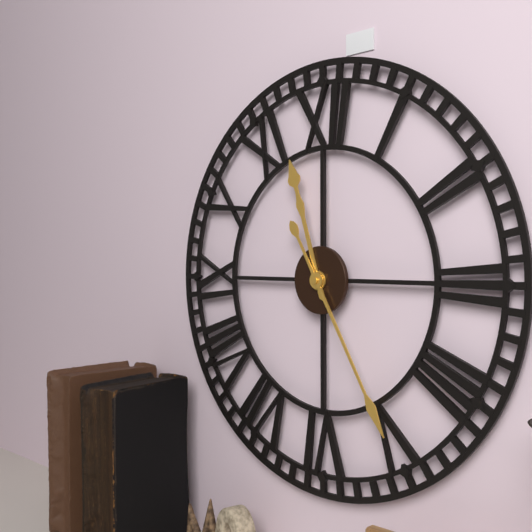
11:25
